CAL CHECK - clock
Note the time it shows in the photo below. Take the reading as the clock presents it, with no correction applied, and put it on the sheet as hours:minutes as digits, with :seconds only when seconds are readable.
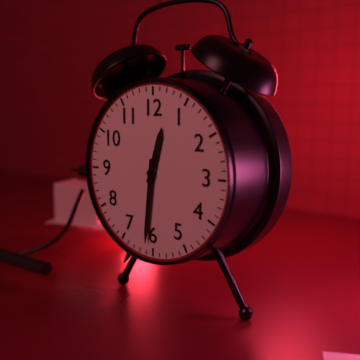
12:31
